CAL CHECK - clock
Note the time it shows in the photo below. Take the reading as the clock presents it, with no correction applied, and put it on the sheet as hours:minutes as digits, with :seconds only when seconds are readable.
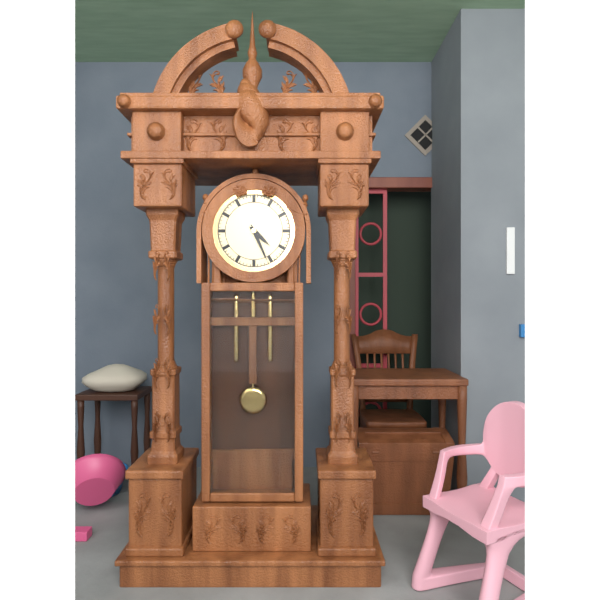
4:26
